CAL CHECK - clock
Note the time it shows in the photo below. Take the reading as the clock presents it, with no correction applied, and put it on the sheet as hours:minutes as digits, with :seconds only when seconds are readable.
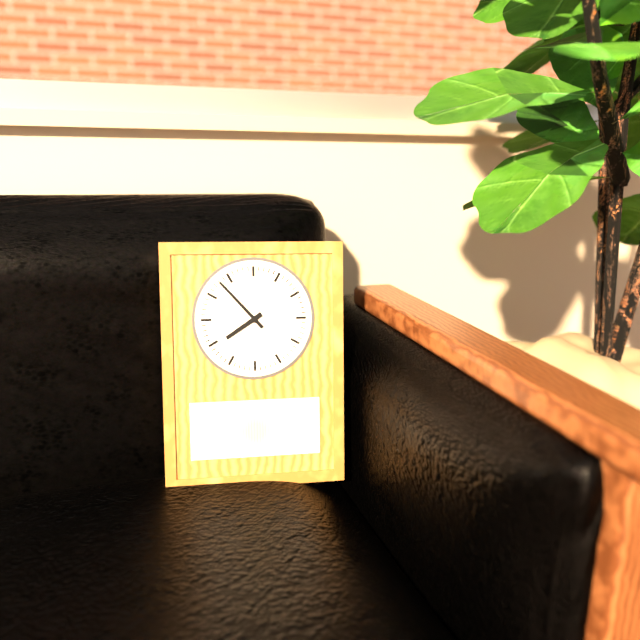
7:53
